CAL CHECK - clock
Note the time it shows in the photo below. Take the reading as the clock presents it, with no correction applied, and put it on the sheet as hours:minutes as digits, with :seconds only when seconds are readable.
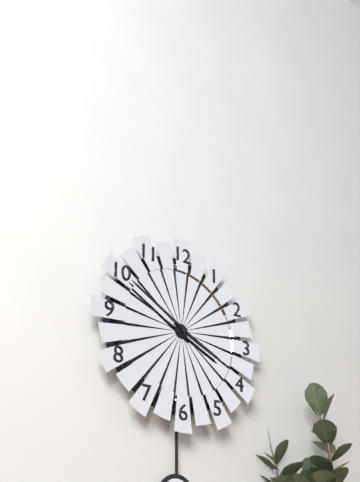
3:50
